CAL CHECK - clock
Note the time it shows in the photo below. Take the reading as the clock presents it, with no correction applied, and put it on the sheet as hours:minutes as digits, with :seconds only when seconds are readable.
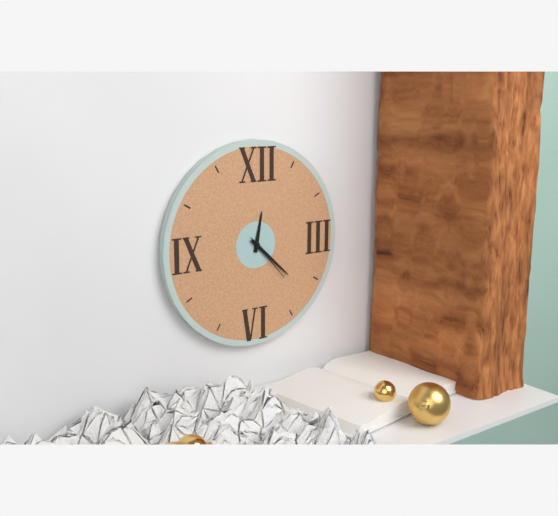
12:22:23
